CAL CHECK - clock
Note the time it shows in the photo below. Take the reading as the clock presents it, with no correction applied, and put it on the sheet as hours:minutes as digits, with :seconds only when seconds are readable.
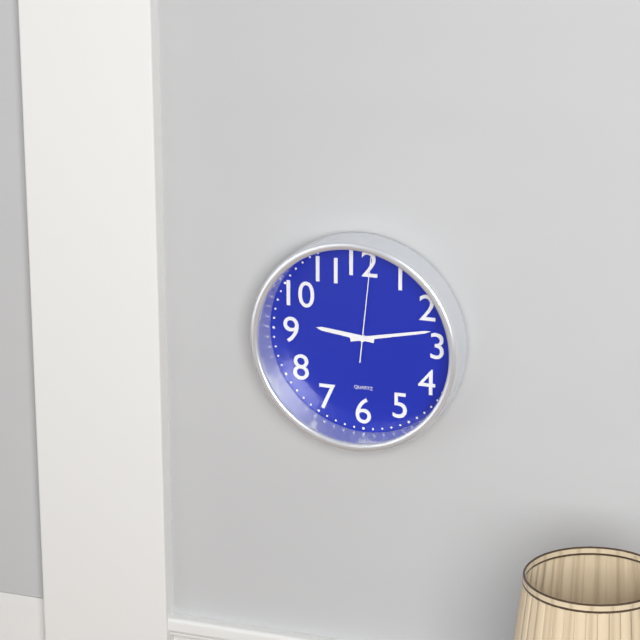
9:13:01
